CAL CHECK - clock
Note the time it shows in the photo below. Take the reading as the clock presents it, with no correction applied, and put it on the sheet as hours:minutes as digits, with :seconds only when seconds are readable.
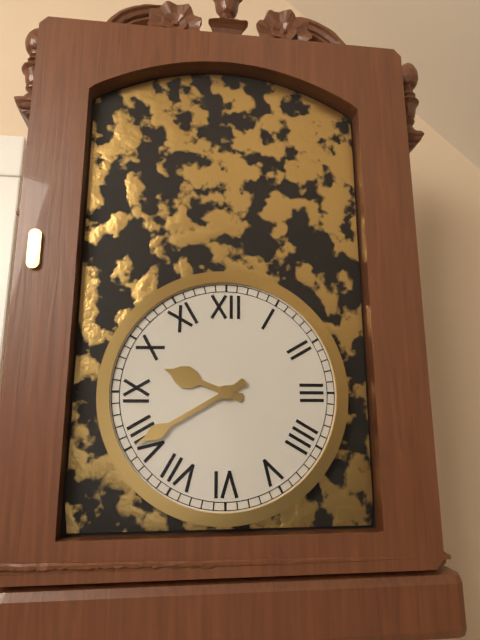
9:40
